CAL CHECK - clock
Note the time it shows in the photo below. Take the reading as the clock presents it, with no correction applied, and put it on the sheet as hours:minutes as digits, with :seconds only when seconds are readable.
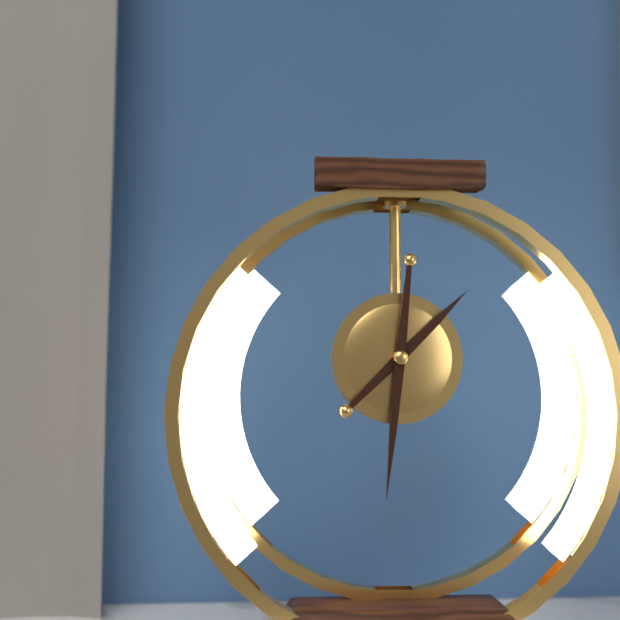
1:31
